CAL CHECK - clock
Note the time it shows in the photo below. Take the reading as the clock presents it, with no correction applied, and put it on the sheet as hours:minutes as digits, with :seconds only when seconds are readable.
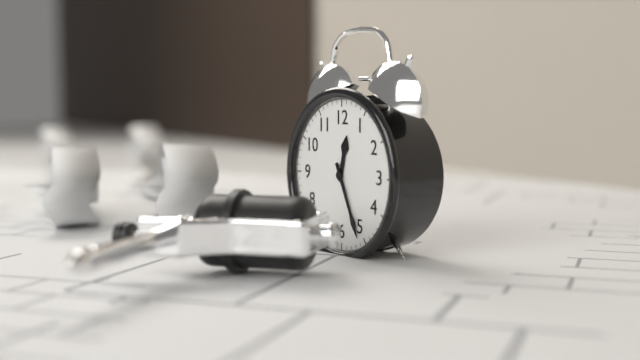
12:26
